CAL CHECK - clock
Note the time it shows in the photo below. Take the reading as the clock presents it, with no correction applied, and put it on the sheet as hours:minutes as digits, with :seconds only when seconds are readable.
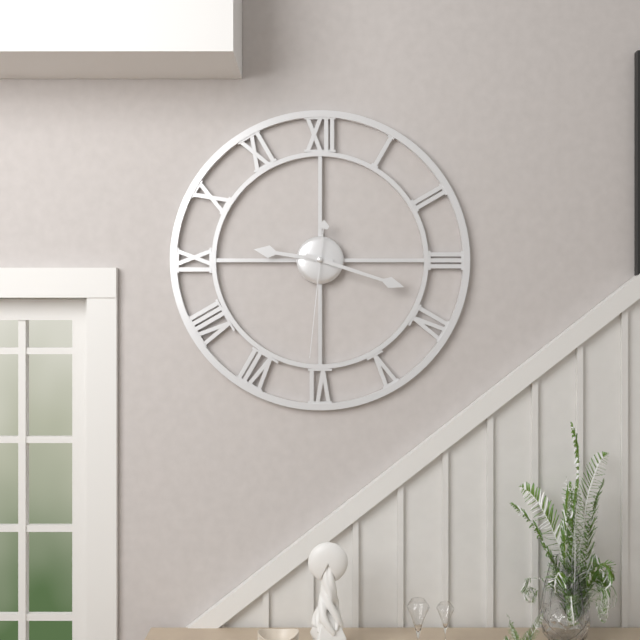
9:18:31
